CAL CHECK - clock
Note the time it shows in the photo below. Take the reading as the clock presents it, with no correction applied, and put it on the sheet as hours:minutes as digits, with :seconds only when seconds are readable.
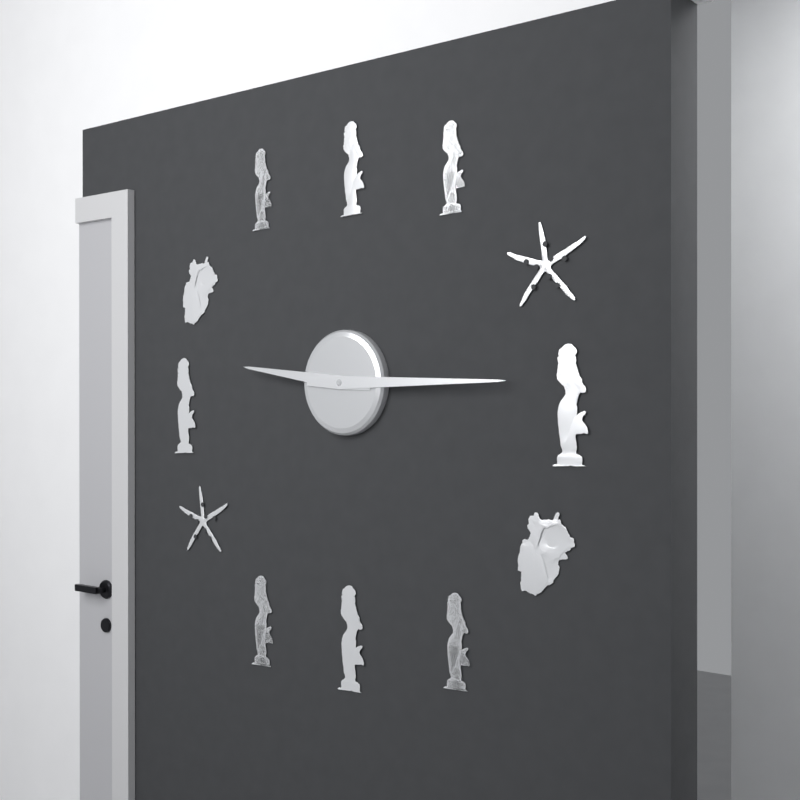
9:15
